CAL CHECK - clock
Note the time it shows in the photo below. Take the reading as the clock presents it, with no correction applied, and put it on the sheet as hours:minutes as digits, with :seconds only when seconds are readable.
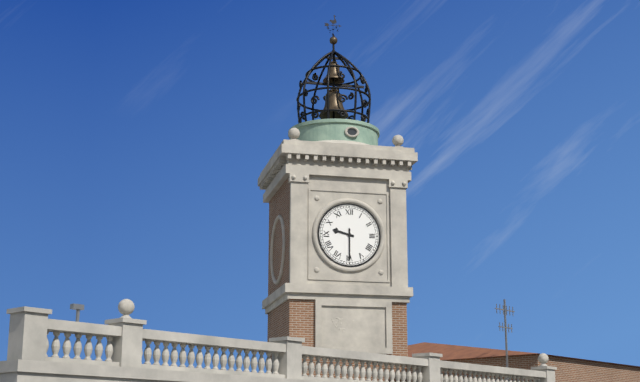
9:30
